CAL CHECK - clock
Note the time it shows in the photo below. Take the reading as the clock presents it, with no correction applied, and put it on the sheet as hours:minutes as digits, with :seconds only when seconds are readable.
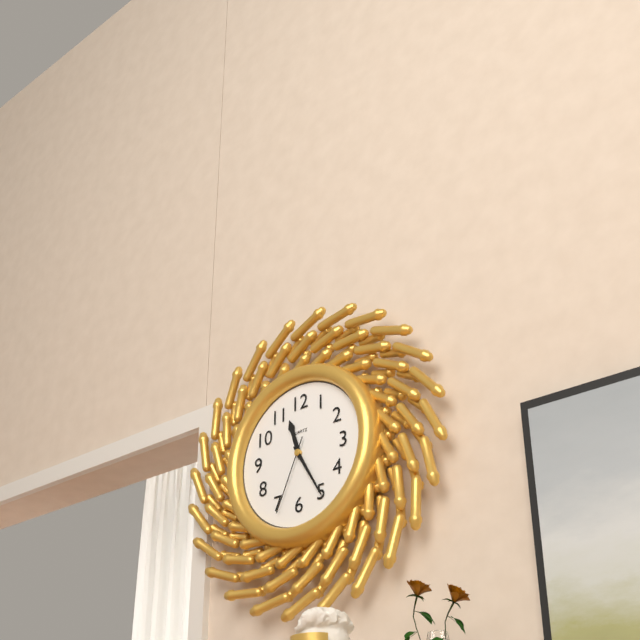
11:25:34
